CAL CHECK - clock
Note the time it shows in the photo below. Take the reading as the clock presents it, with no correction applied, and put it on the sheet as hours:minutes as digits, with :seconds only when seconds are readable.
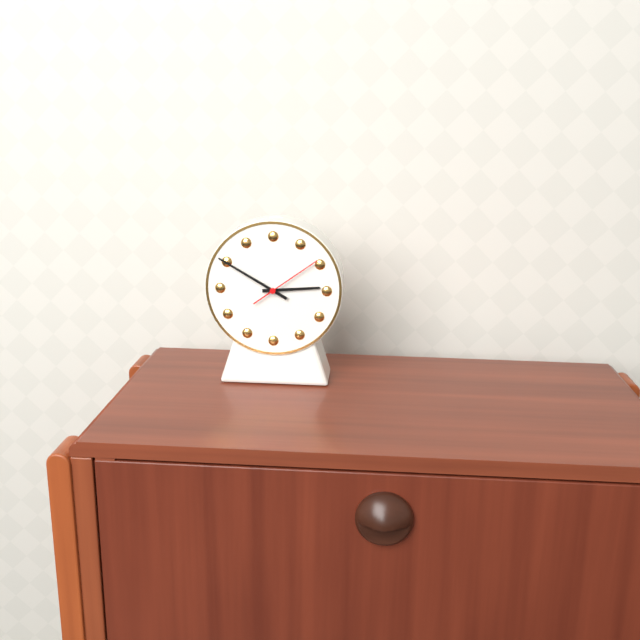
2:50:09
